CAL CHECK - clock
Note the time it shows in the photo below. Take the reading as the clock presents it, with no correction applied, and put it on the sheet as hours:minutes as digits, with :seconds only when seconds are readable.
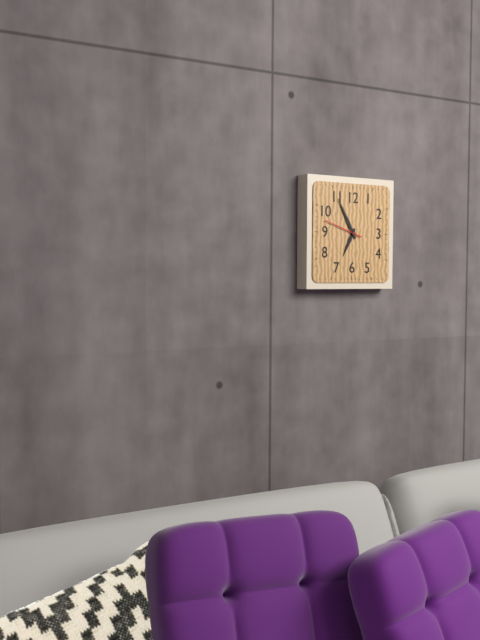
6:55
